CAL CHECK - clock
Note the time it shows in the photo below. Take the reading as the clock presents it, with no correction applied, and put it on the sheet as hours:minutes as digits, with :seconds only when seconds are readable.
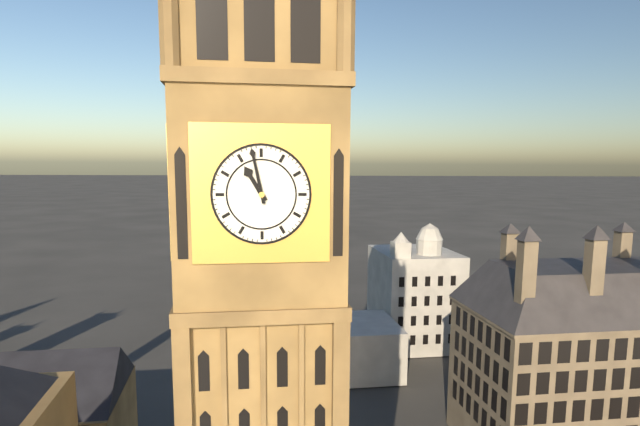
10:58
